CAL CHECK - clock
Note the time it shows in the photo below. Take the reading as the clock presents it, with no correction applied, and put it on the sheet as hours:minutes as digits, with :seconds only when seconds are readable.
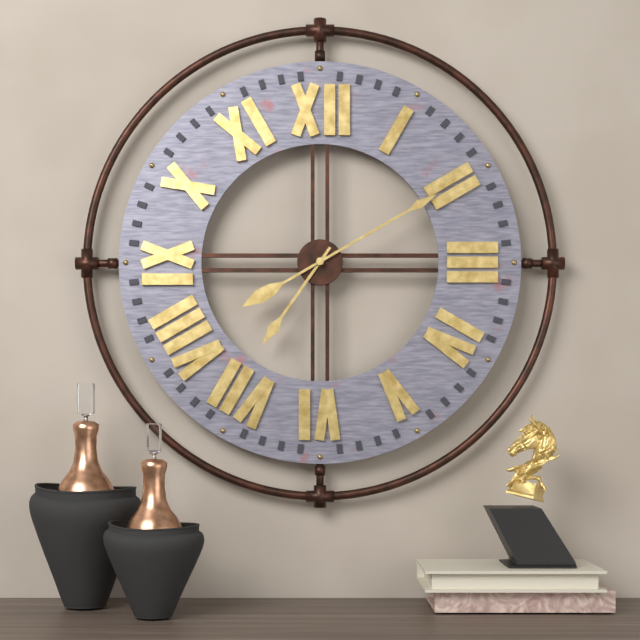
7:10
